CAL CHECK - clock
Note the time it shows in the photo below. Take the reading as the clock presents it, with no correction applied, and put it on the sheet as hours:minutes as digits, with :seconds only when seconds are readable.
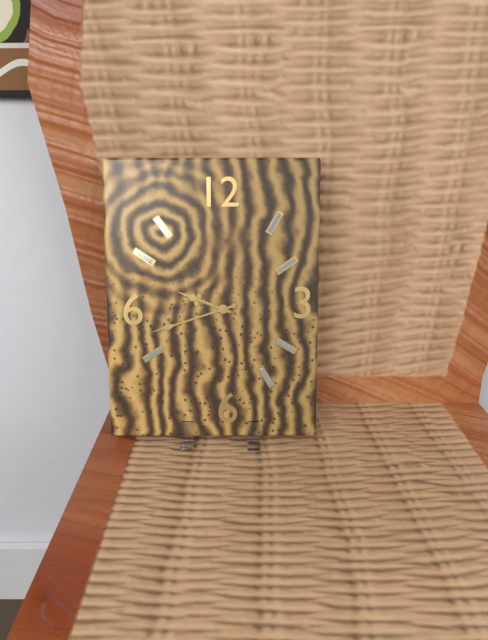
9:42
